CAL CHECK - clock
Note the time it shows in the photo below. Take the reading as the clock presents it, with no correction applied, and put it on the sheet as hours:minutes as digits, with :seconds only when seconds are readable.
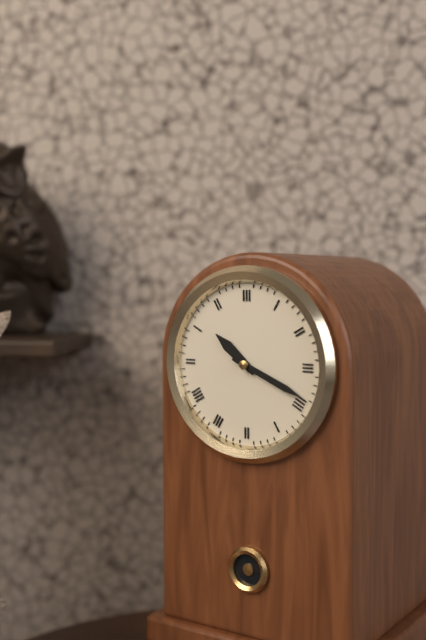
10:19
